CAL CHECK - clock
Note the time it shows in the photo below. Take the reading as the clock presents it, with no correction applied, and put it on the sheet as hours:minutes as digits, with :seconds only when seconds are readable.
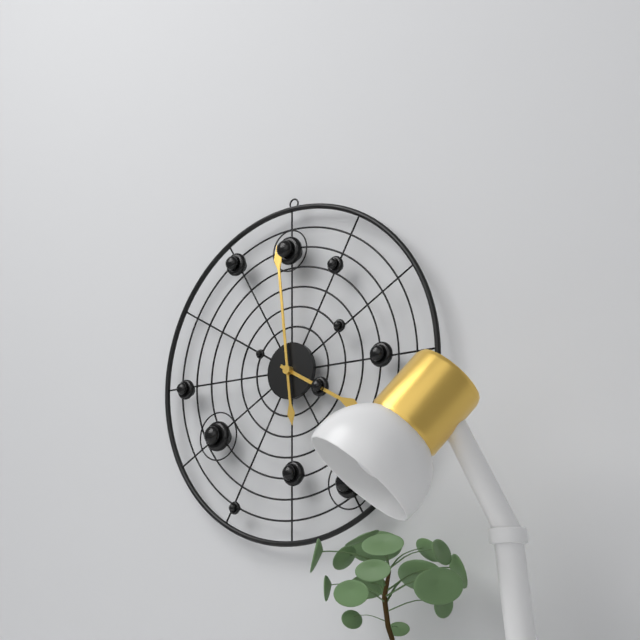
3:59
